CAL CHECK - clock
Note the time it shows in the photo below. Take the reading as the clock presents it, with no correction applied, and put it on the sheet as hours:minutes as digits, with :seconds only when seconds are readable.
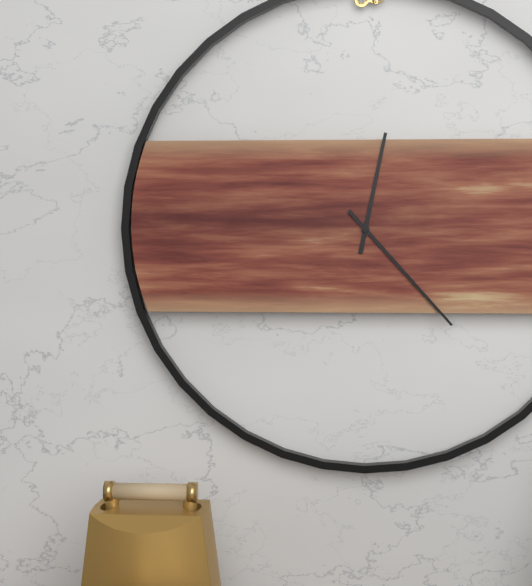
12:23
